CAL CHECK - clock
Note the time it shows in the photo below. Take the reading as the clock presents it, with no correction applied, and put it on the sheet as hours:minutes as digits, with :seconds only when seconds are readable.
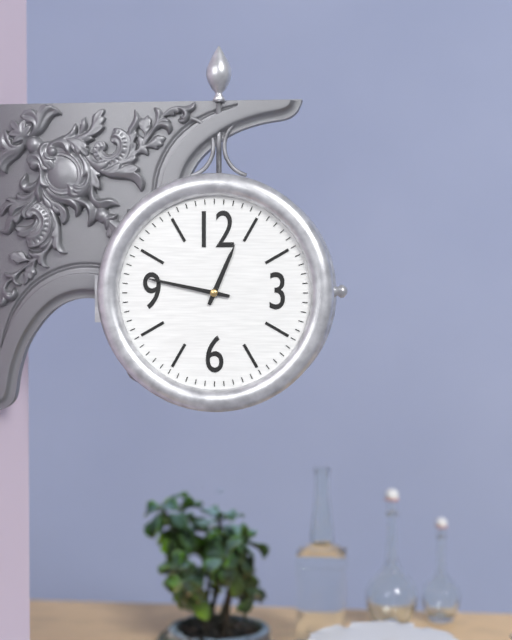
12:47
